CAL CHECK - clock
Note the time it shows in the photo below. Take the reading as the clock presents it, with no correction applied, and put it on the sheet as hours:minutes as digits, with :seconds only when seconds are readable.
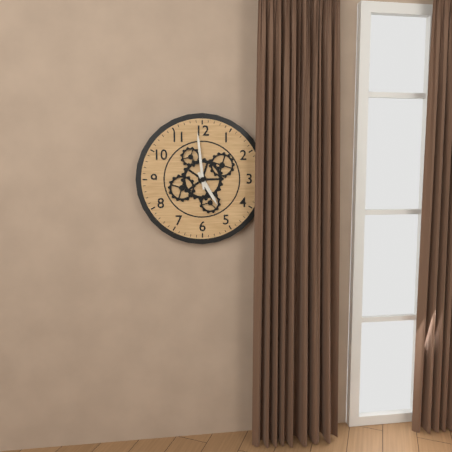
4:59
